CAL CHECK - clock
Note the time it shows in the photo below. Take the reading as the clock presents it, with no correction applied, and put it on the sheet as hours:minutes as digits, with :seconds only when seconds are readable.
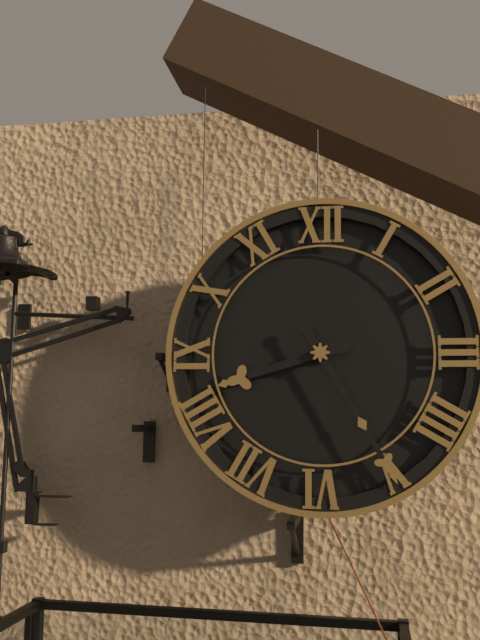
8:25
